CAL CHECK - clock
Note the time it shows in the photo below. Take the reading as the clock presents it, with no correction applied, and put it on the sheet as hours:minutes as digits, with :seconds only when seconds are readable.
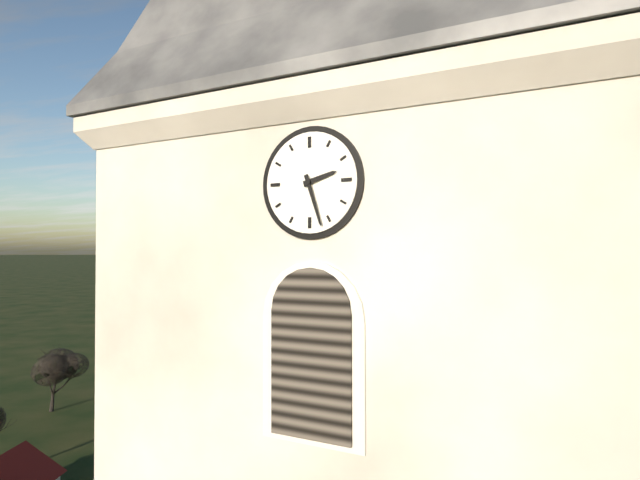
2:27
